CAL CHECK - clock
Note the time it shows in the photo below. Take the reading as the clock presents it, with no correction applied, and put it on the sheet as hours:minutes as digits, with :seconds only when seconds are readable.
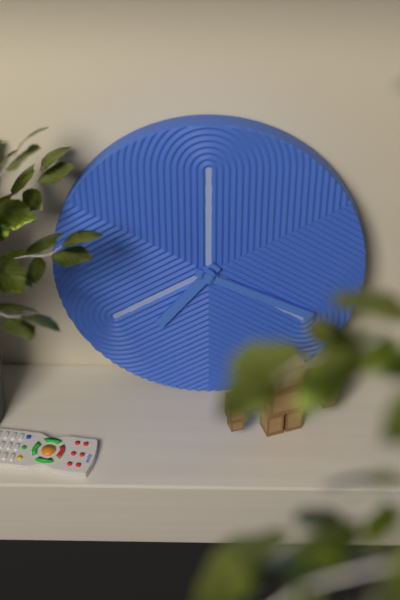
7:19
